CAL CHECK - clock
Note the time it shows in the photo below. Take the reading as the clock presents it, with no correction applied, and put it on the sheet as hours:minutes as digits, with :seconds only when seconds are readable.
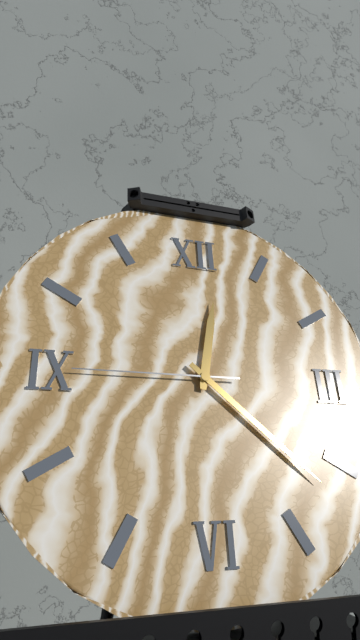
12:22:45
